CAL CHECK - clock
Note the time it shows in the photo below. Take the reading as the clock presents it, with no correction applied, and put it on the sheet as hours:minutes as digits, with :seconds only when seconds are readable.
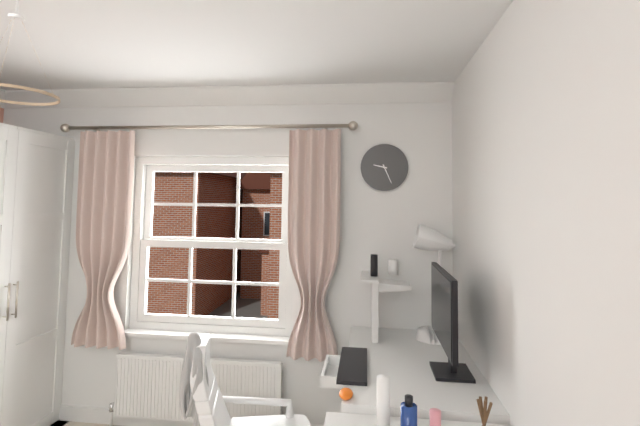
9:26
